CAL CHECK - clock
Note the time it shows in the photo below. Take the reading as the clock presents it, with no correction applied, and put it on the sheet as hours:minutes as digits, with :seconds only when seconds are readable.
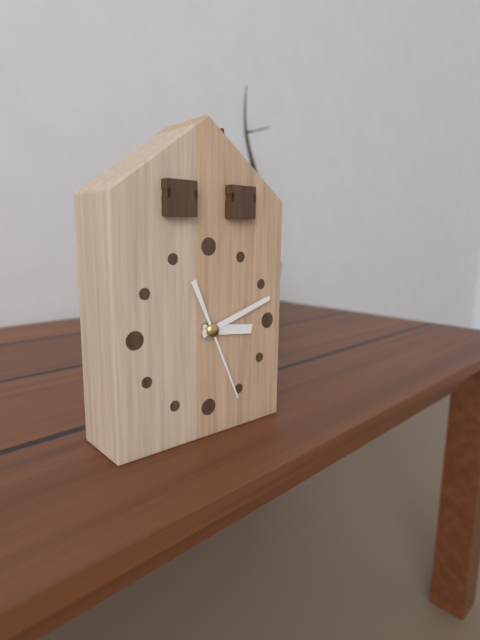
3:12:26
